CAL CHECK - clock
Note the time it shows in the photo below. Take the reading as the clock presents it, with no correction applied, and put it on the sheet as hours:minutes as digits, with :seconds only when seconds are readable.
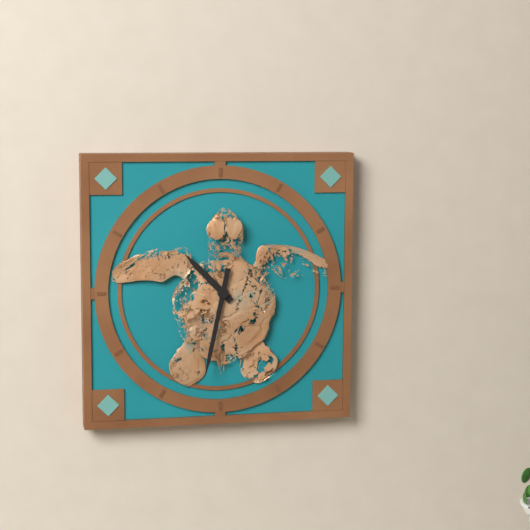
10:32
